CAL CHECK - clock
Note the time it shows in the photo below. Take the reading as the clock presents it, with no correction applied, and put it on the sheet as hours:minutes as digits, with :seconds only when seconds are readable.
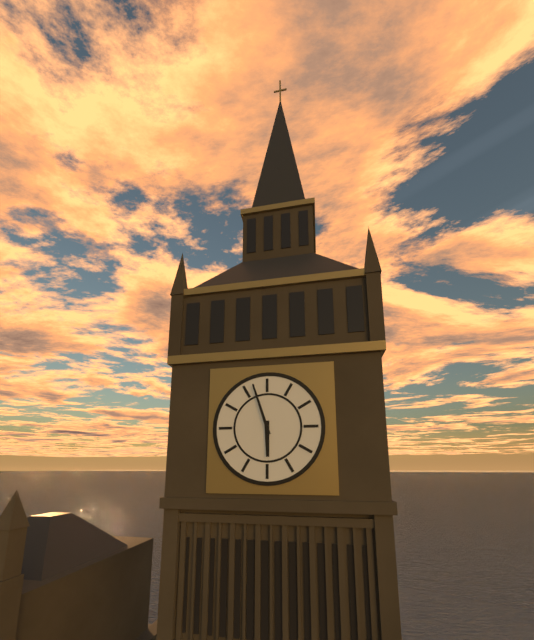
5:57
